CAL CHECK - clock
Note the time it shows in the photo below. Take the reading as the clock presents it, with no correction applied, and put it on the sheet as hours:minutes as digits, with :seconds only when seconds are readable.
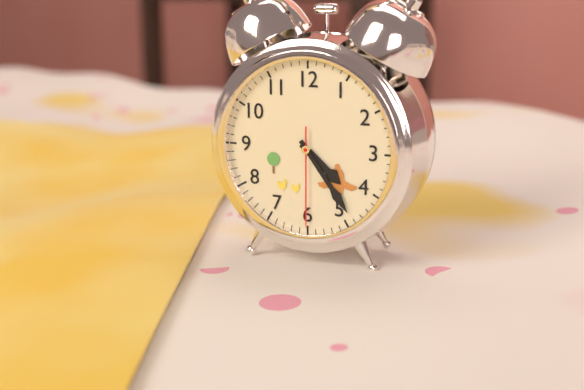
4:24:30
